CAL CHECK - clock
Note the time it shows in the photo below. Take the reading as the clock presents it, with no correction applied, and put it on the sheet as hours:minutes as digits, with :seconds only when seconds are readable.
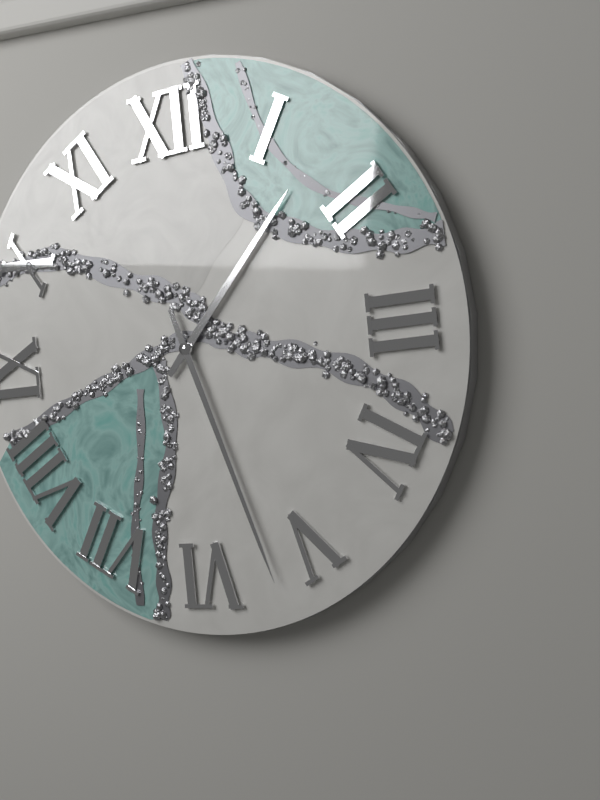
1:27
